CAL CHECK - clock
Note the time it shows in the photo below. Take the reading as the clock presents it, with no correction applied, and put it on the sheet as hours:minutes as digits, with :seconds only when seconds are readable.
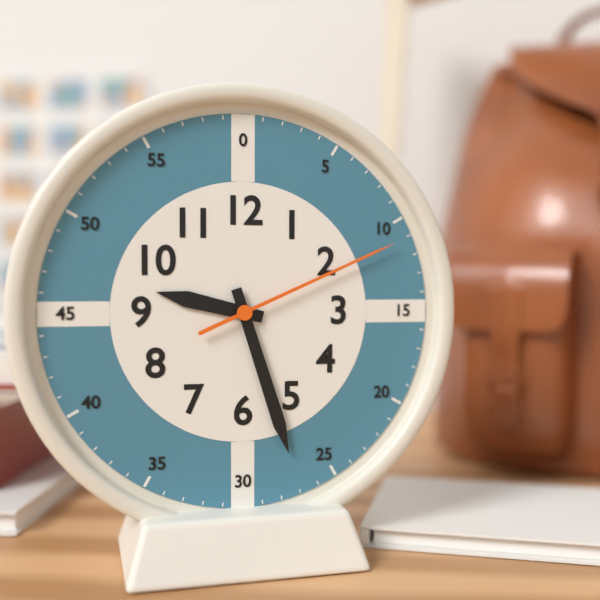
9:27:11
